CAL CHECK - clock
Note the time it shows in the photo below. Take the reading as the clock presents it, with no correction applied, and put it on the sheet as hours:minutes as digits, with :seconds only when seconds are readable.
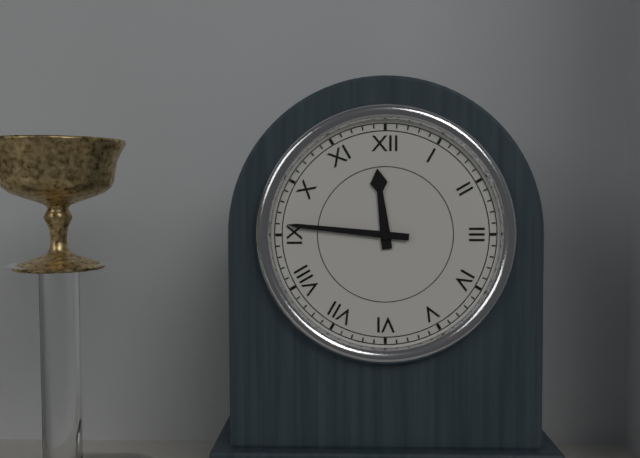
11:46
